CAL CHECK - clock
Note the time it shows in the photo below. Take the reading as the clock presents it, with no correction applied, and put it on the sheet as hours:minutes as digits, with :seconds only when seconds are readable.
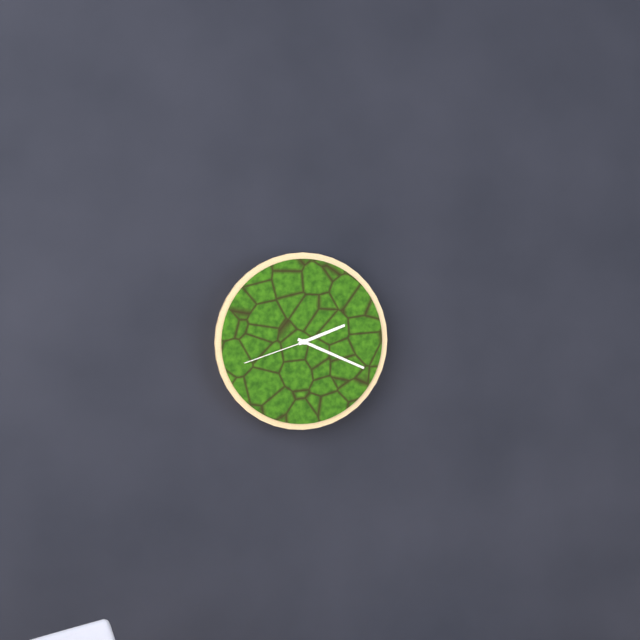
2:19:42
